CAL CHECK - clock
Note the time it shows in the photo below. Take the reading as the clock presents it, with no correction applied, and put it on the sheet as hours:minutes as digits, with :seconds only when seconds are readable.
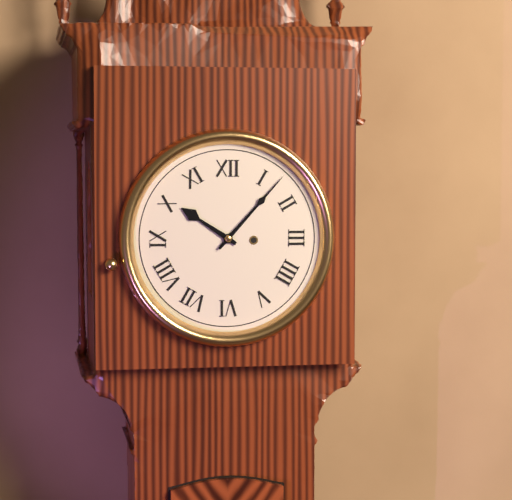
10:07
